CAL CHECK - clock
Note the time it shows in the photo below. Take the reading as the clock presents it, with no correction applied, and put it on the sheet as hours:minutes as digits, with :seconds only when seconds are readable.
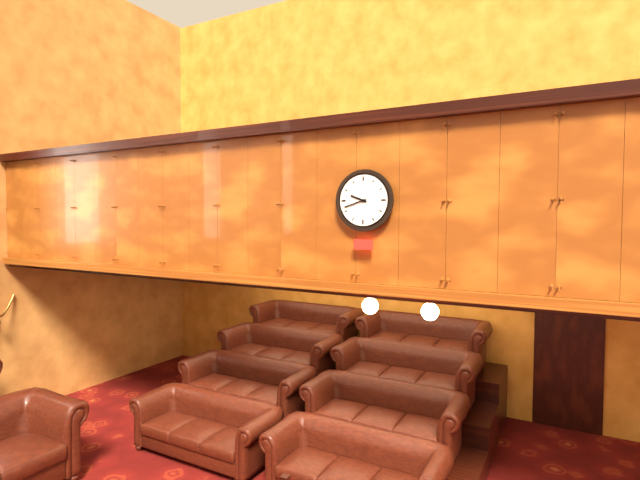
9:42
